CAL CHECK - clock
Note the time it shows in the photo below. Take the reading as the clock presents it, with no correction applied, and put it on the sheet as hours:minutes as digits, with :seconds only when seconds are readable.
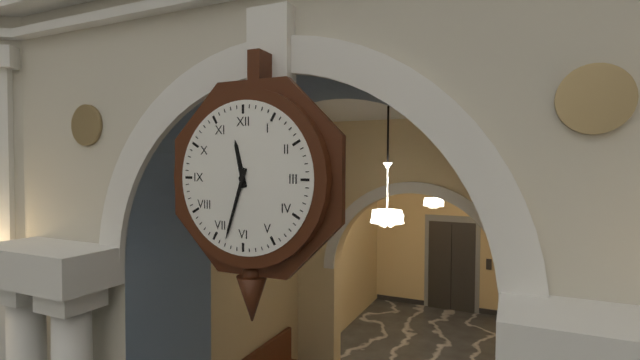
11:33
